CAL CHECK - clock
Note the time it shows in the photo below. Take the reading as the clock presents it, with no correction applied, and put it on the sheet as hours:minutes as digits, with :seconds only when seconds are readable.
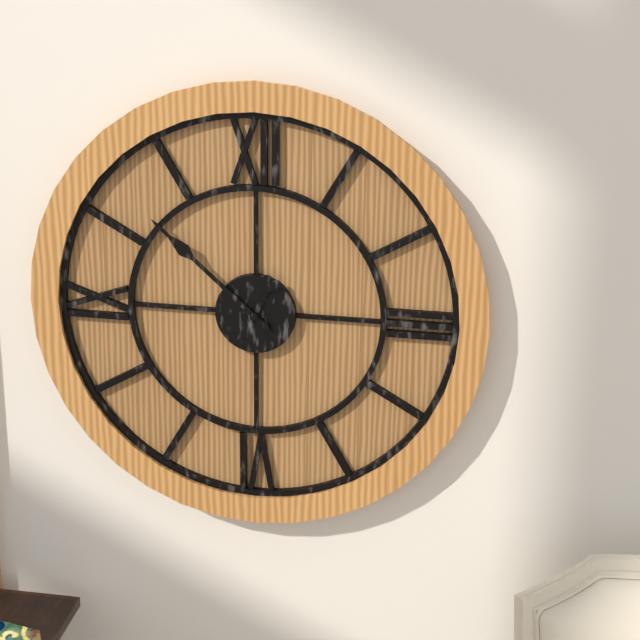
12:52
